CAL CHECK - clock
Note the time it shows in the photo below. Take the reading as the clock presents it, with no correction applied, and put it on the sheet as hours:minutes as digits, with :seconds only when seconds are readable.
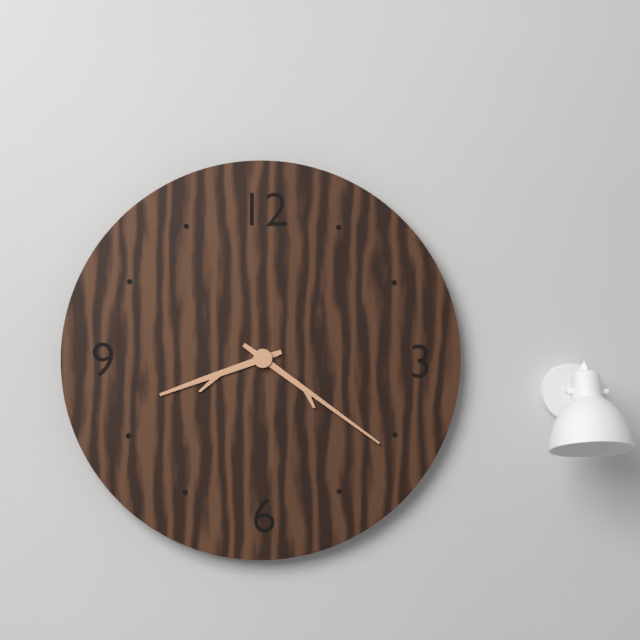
8:21
